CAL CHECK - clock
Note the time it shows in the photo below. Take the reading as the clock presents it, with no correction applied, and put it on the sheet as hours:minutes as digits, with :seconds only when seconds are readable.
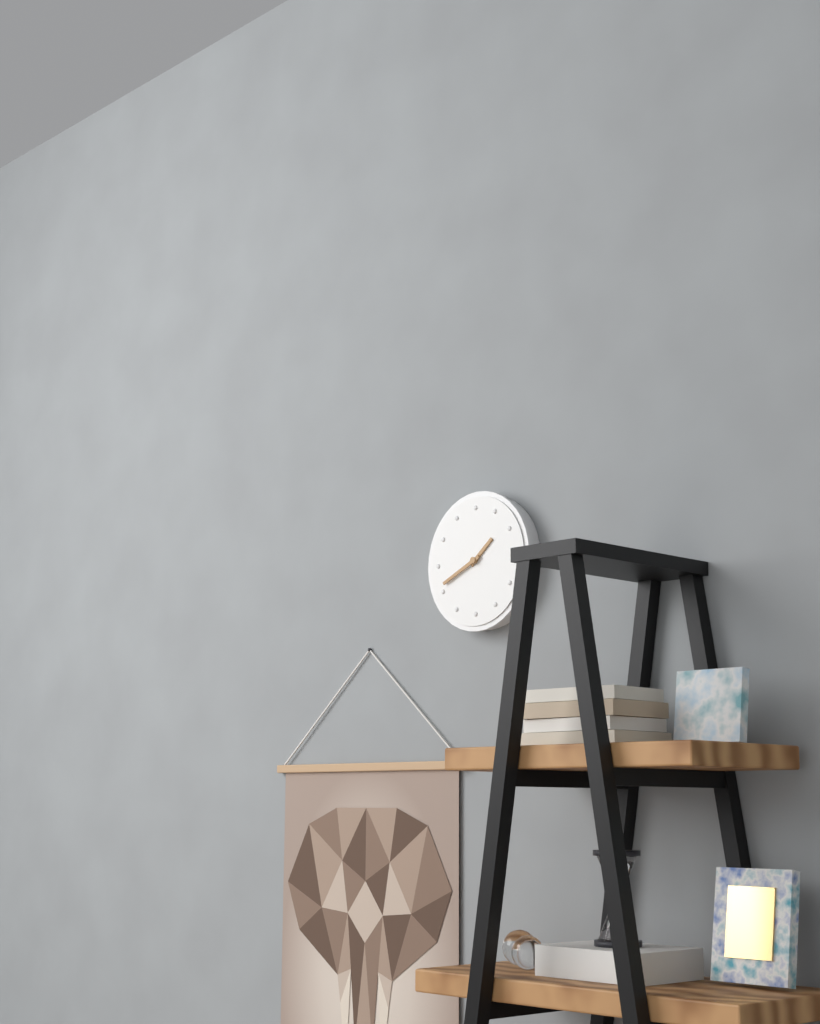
1:41
